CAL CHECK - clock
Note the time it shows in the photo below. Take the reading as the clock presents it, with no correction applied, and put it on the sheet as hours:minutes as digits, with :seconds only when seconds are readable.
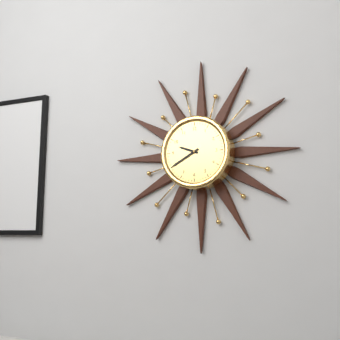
9:40
